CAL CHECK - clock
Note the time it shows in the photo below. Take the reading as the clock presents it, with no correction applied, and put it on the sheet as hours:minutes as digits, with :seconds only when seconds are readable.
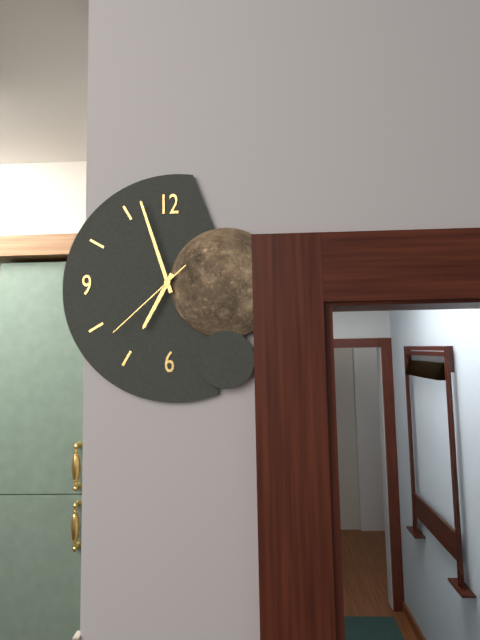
6:57:38
